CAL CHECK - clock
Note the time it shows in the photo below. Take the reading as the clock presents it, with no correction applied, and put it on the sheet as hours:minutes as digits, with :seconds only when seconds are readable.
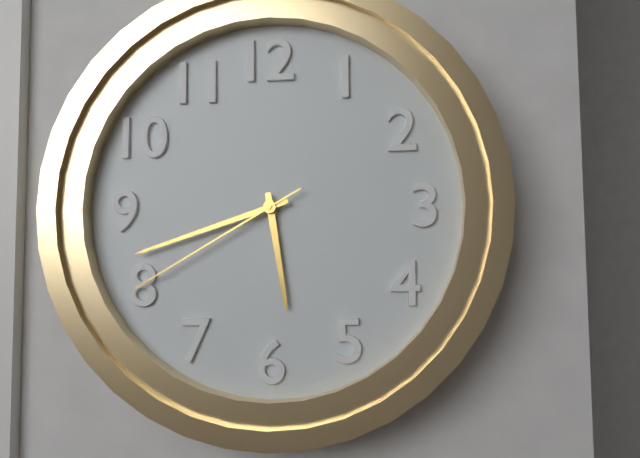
5:42:40
